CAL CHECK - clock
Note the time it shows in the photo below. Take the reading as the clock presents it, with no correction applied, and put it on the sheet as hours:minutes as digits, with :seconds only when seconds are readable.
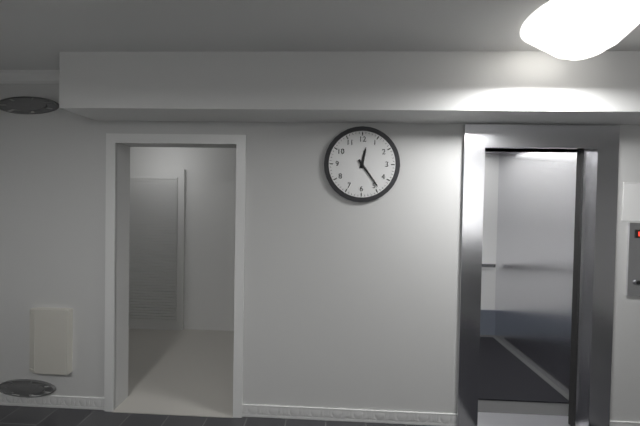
12:24
